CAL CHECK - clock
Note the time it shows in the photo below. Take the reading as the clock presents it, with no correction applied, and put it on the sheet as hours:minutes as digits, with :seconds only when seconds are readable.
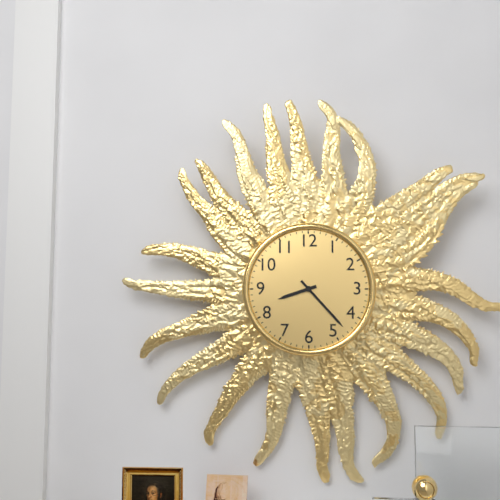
8:23
